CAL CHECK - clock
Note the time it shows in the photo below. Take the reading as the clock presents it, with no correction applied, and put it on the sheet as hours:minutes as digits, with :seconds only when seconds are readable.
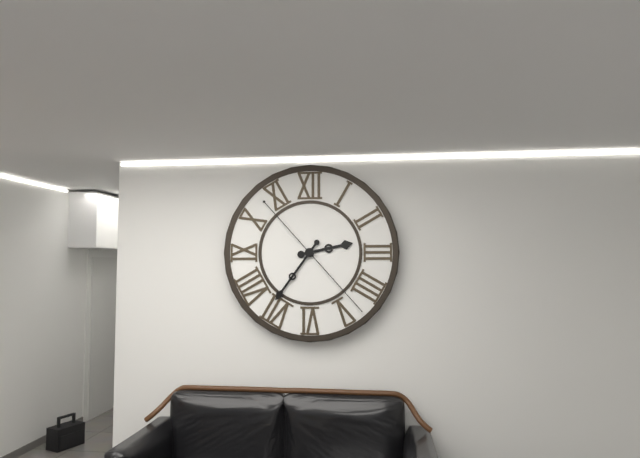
2:36:23
